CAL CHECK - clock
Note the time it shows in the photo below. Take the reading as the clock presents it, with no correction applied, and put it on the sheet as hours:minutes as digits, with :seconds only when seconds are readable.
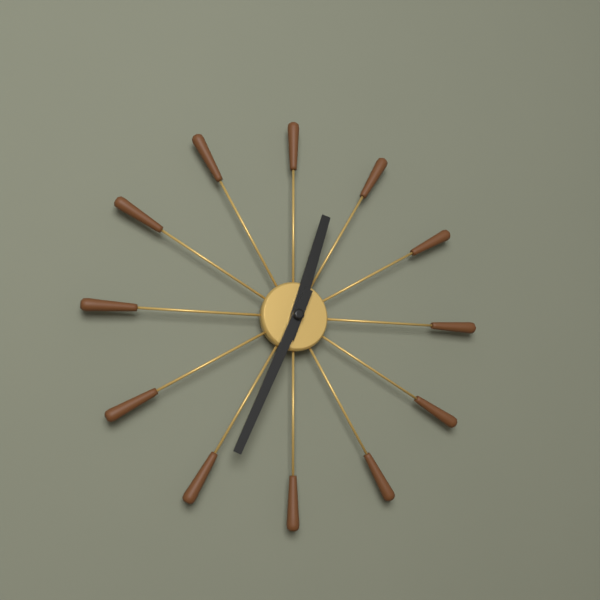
12:34
